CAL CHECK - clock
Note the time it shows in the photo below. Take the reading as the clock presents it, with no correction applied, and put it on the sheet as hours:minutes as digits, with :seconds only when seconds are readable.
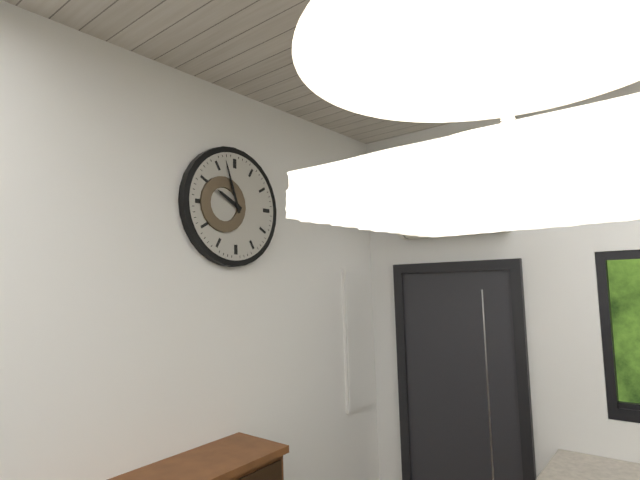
9:57
